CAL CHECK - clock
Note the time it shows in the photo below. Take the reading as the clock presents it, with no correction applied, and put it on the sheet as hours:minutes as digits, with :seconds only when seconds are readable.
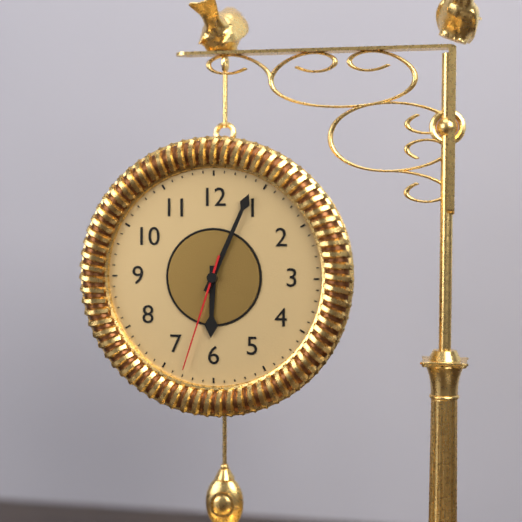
6:04:33
